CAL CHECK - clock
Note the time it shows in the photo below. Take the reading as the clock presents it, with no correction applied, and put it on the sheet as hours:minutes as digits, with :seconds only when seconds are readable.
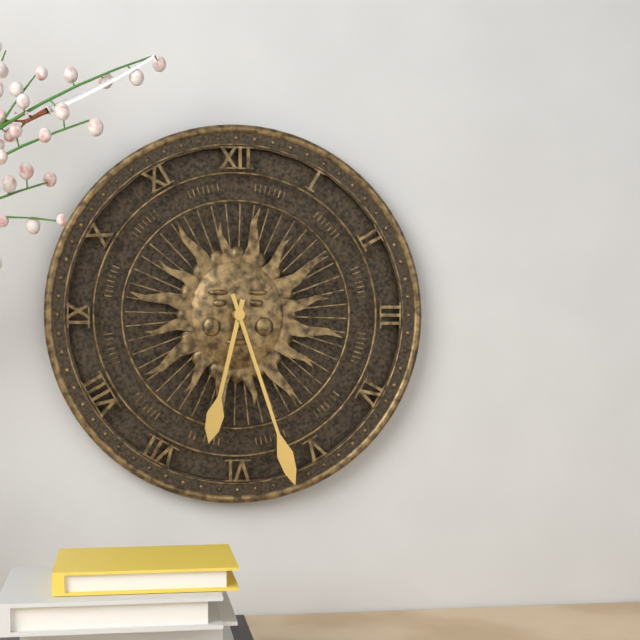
6:27
